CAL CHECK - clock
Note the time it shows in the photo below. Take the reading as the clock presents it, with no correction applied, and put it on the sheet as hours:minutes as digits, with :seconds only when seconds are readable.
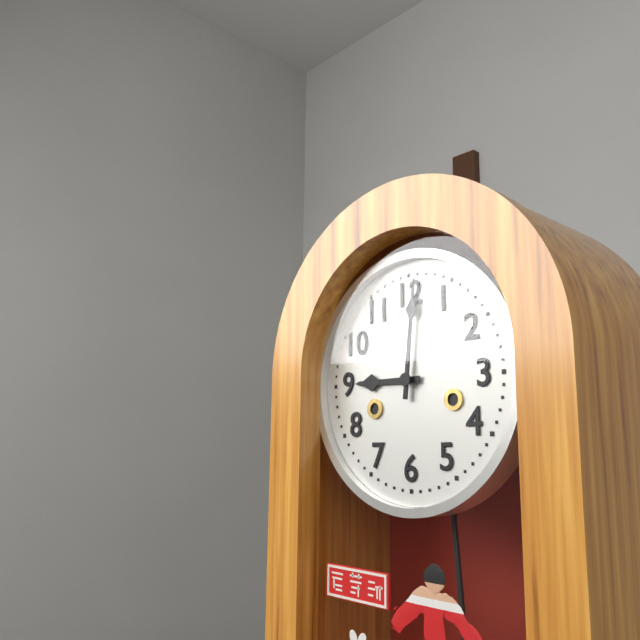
9:01
